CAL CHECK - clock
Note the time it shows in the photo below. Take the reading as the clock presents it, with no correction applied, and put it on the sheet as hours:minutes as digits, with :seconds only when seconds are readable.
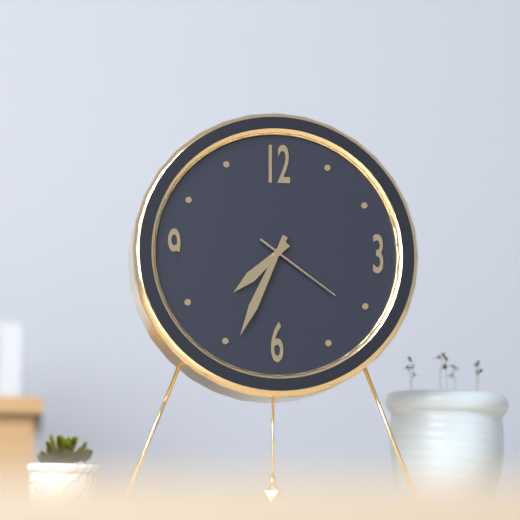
7:34:21
